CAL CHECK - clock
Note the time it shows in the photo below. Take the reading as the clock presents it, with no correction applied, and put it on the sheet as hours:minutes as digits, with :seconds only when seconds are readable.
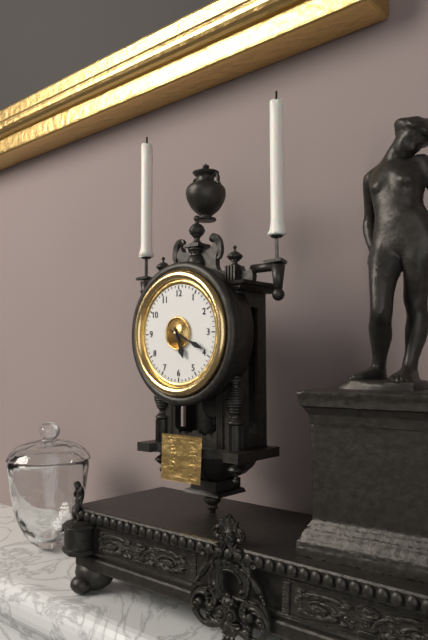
5:19
